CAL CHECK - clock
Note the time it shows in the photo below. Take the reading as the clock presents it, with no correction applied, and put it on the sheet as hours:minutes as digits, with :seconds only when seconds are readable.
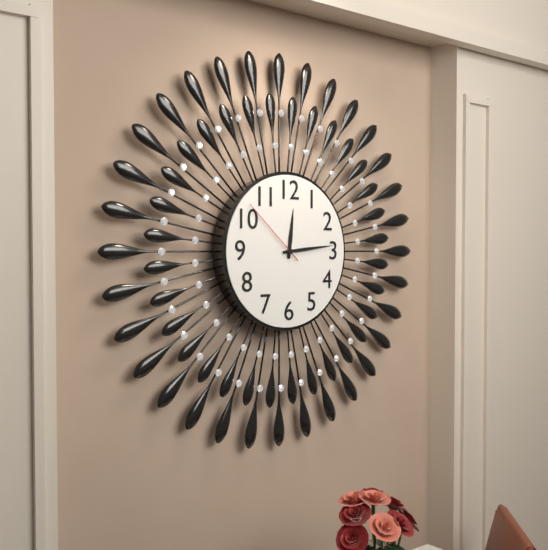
12:14:52
